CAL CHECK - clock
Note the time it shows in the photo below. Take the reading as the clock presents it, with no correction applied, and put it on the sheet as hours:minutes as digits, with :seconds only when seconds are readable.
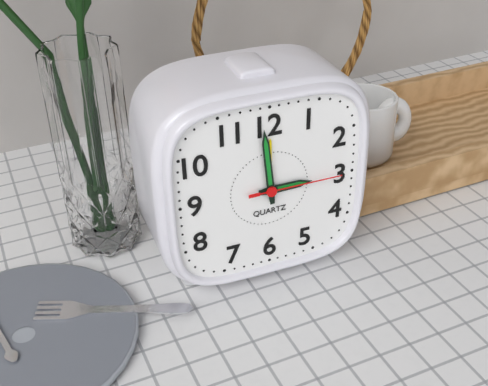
2:59:15
